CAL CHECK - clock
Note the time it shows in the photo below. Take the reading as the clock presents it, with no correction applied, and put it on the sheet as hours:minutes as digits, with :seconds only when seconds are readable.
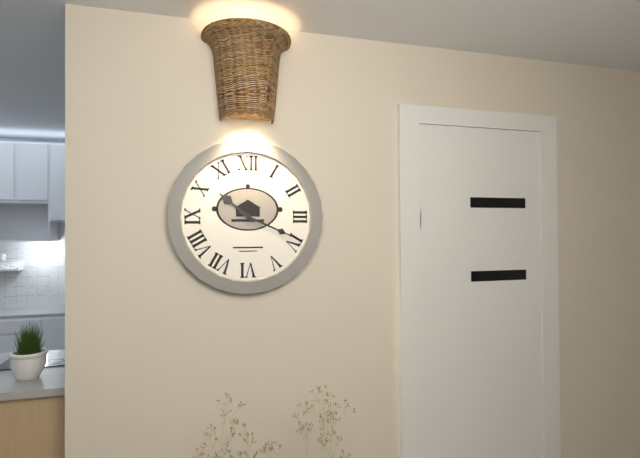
10:19
